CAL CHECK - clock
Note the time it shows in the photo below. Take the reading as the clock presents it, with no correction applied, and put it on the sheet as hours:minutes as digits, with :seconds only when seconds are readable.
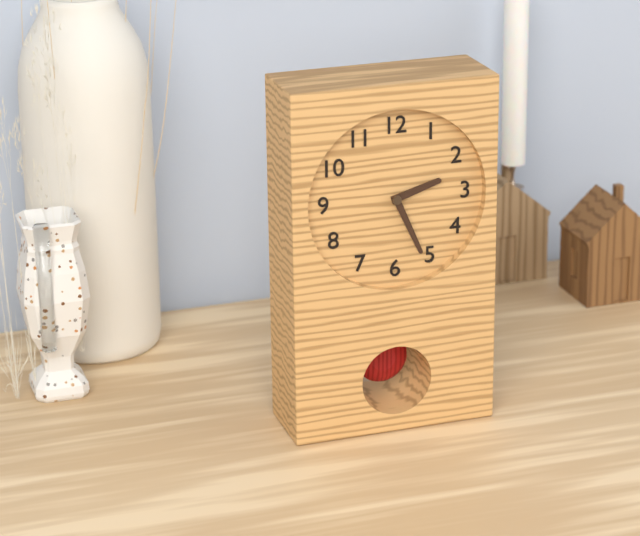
2:26
